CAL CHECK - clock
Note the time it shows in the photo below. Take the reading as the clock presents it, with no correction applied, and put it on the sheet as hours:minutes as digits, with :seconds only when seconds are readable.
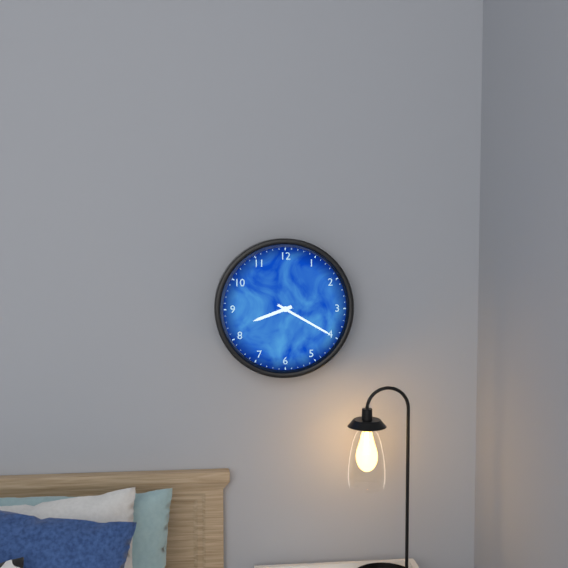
8:20
